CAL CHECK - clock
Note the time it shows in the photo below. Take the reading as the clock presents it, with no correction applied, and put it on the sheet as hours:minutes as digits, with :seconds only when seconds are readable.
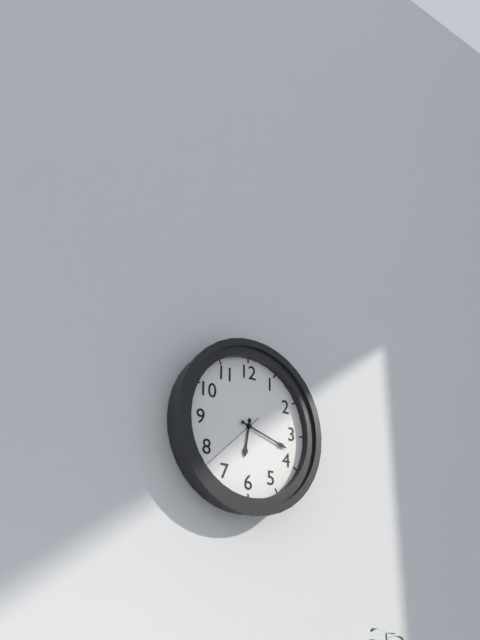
6:18:38
